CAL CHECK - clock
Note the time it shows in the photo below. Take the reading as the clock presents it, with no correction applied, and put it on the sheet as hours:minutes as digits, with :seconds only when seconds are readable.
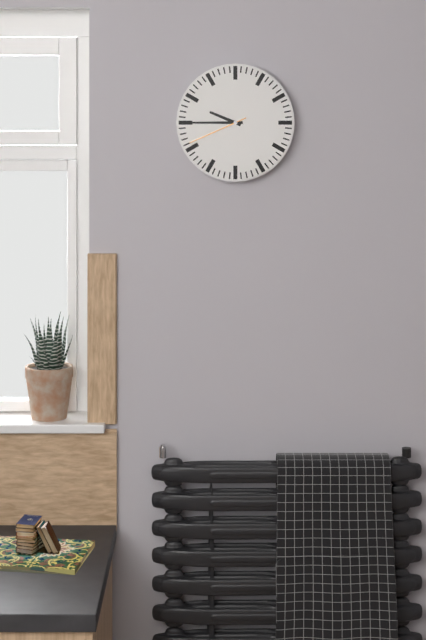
9:45:41
